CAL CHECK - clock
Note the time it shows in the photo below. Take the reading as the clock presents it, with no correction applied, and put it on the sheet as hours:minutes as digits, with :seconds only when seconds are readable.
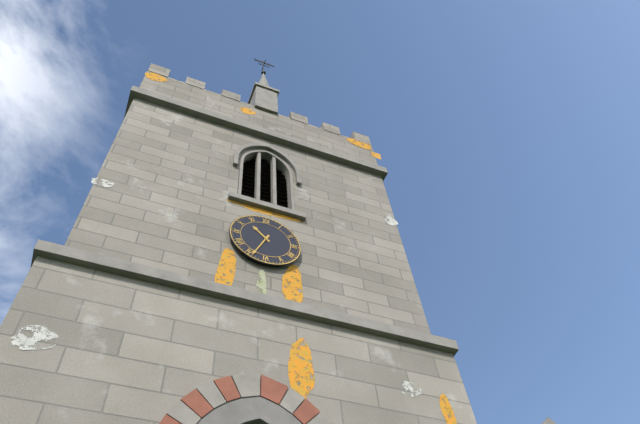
10:34
